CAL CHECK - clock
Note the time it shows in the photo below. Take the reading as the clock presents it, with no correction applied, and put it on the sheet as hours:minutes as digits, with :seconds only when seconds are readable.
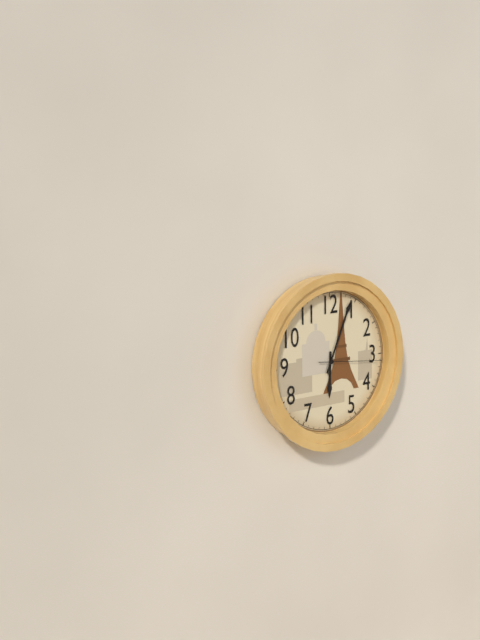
6:04:16
